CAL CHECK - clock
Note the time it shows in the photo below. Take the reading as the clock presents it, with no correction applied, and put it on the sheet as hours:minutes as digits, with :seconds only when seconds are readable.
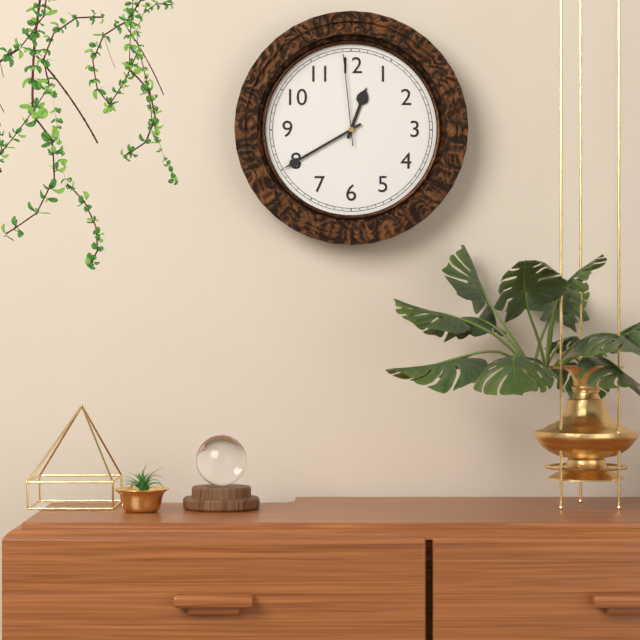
12:40:59
